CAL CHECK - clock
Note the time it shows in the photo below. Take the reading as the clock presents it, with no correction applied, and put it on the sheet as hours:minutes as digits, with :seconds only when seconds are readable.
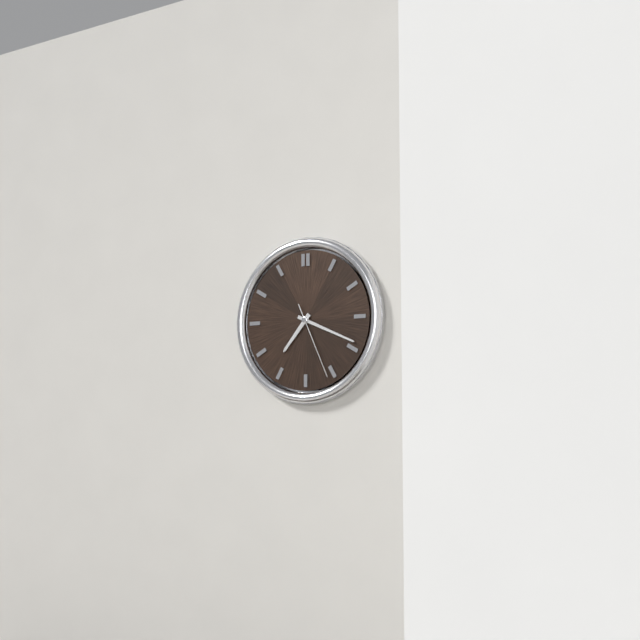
7:19:26
